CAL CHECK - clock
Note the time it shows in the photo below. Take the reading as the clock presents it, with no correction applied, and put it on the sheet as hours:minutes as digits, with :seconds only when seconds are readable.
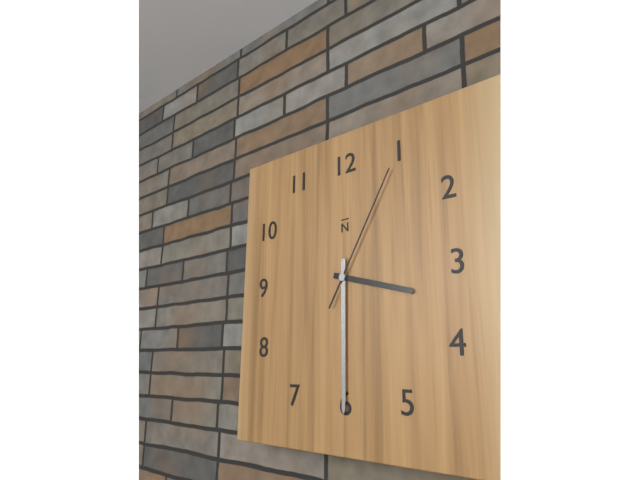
3:30:05
